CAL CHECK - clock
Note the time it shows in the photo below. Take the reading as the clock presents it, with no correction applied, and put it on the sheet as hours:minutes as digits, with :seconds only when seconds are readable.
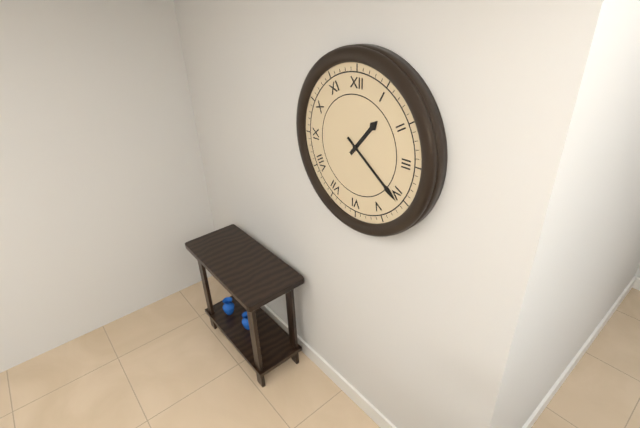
1:21
